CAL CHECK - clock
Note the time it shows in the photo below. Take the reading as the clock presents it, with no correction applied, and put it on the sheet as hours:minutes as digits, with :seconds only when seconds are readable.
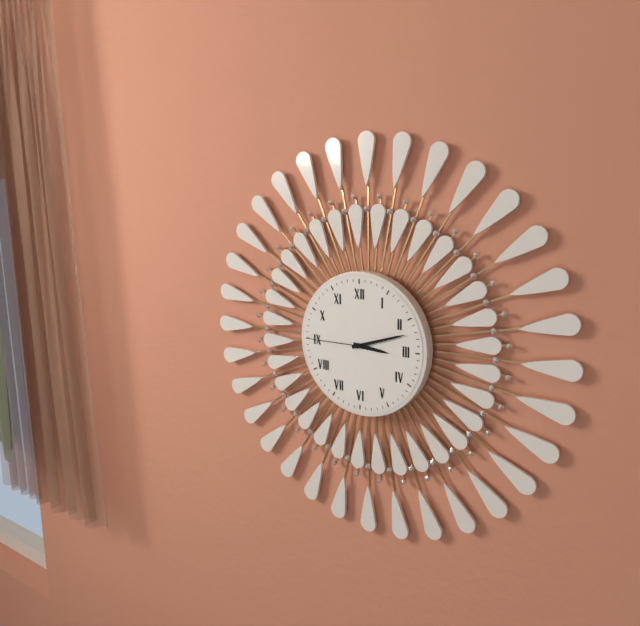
3:12:45
